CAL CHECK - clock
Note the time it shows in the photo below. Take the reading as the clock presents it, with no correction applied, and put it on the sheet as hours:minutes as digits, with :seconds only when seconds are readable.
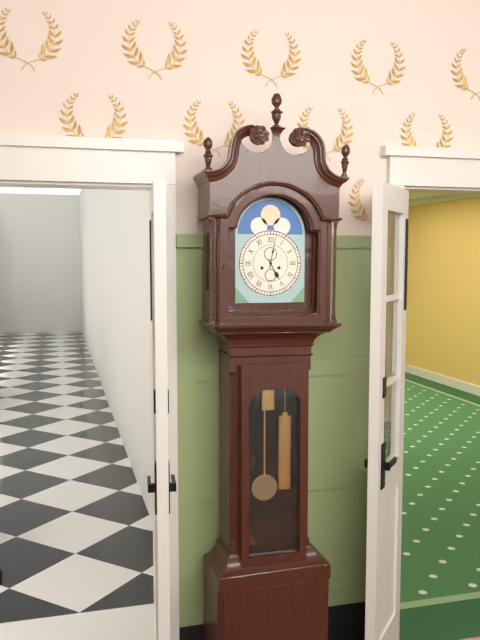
5:02
